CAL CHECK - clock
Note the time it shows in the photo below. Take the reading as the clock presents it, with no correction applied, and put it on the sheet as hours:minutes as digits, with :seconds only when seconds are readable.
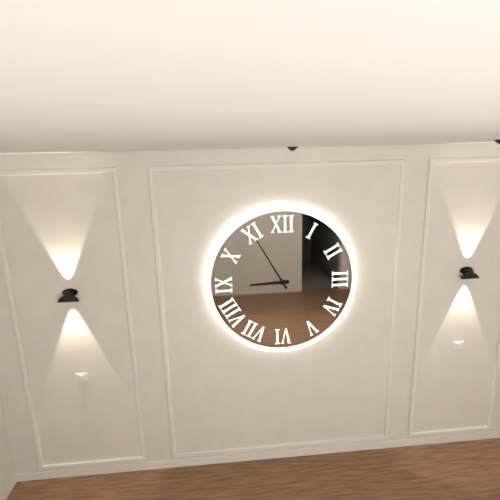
8:55
